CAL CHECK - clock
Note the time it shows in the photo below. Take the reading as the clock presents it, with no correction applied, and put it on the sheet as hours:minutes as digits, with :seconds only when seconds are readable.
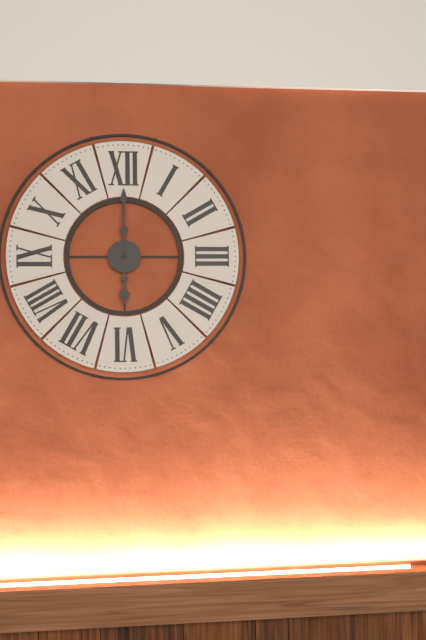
6:00
